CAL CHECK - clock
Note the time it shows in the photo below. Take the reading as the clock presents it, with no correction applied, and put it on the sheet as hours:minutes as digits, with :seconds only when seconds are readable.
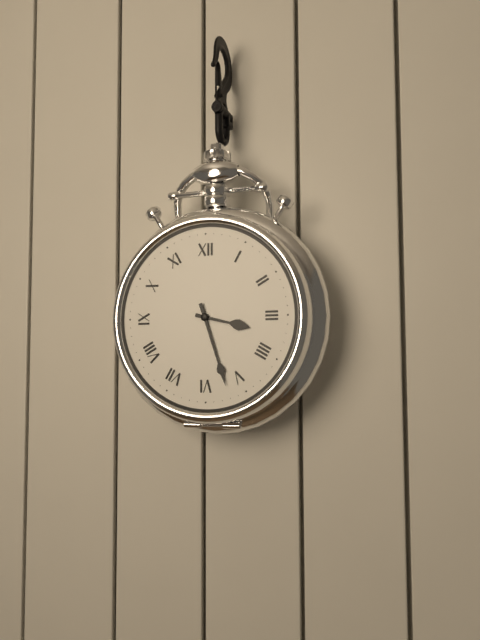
3:27
